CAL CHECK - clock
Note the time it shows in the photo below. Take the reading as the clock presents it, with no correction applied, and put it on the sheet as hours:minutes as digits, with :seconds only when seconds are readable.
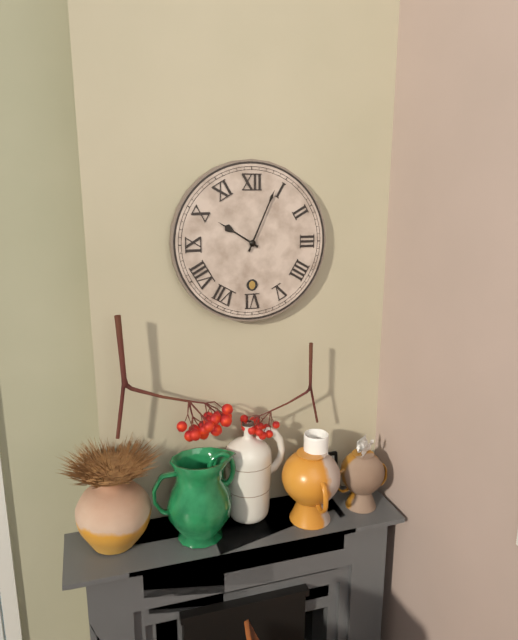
10:04
